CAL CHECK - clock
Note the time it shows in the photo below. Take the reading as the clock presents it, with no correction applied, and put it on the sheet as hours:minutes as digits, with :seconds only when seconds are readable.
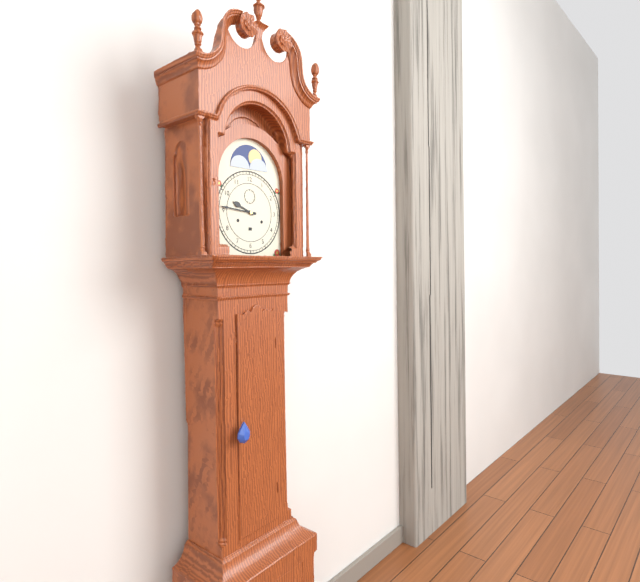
9:46
